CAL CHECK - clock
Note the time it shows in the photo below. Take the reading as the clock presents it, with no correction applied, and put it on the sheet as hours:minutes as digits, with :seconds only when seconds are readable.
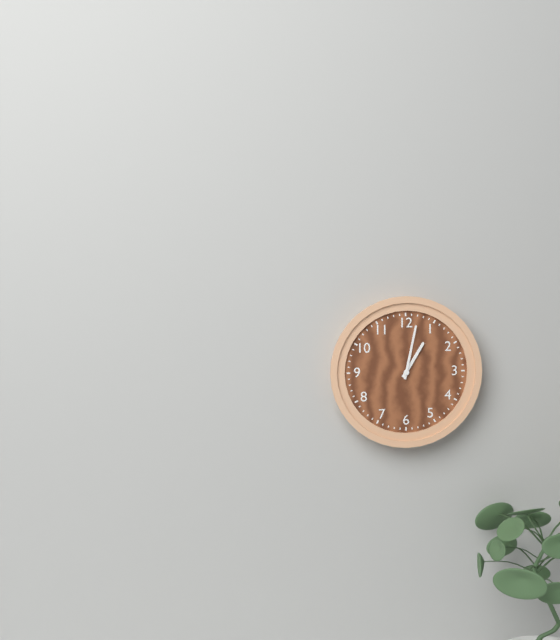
1:02
